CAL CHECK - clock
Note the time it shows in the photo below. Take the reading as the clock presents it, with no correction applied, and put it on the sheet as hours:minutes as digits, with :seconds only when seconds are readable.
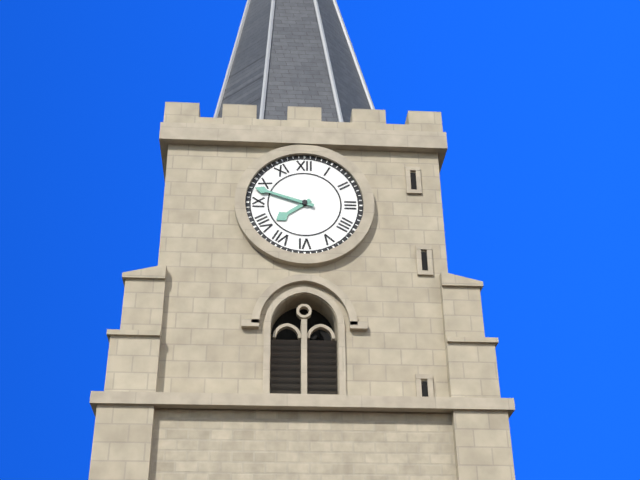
7:48
